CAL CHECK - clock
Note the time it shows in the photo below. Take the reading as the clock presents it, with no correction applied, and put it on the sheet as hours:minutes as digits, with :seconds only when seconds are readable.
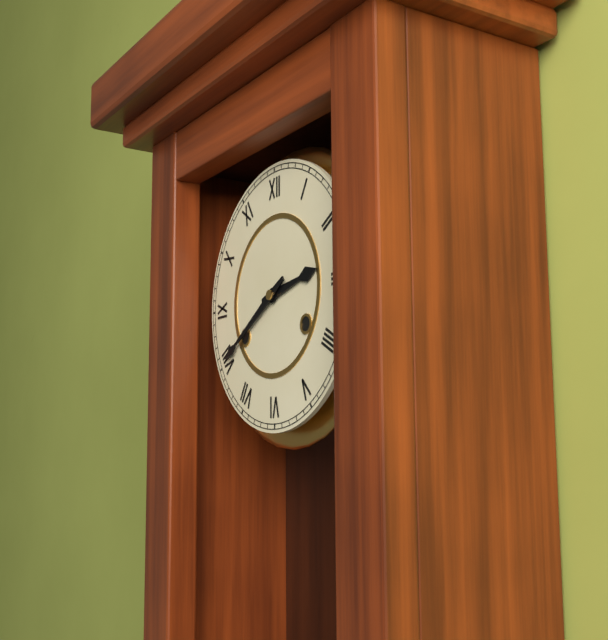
2:40
